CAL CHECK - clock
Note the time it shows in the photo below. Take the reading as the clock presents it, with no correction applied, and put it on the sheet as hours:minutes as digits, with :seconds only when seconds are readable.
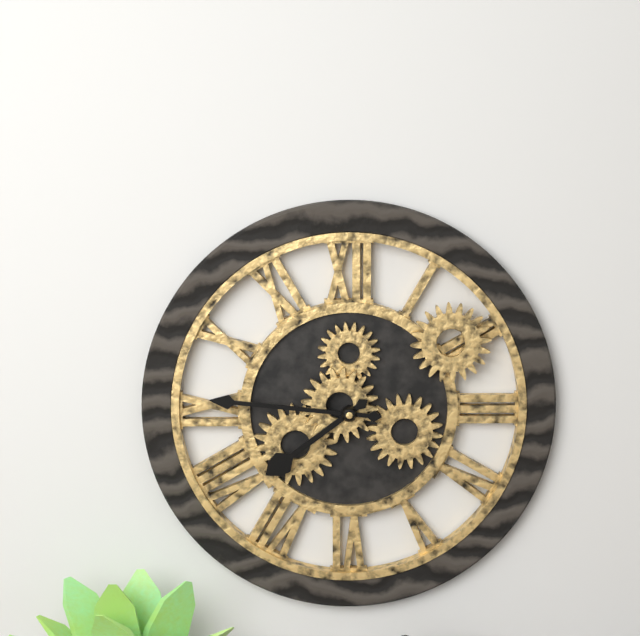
7:46
